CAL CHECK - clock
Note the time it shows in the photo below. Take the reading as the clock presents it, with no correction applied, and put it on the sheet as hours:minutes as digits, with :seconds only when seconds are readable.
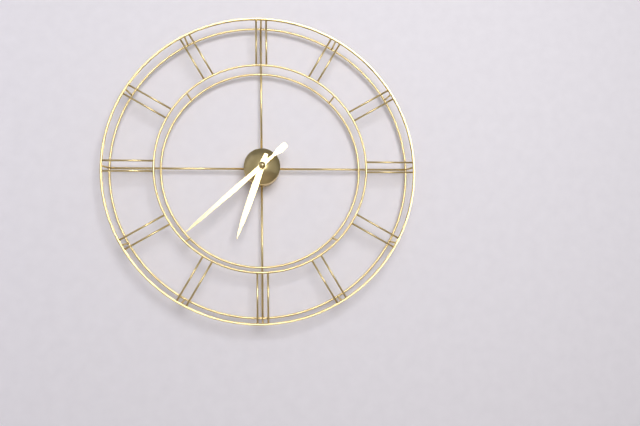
6:38
